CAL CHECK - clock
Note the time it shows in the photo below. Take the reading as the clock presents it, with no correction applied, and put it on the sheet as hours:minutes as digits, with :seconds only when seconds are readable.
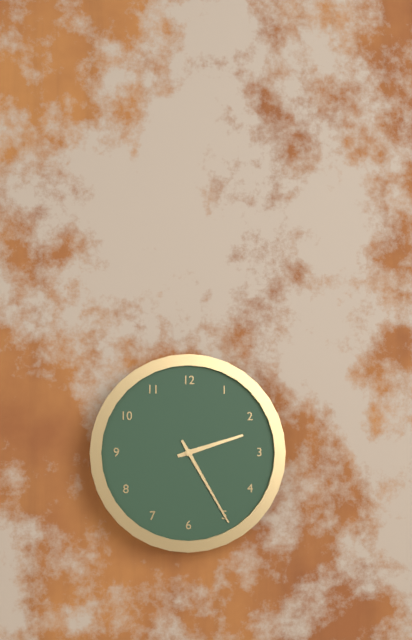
2:25
